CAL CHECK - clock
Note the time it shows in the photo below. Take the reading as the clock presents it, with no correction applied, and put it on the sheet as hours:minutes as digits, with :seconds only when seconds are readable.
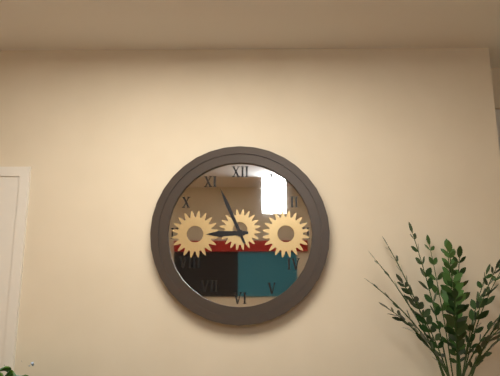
8:56
